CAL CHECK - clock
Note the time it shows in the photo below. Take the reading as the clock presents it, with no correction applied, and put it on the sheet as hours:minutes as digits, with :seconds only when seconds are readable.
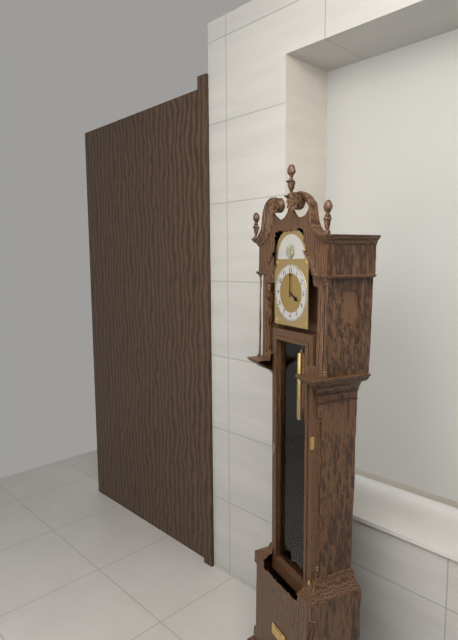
4:00
